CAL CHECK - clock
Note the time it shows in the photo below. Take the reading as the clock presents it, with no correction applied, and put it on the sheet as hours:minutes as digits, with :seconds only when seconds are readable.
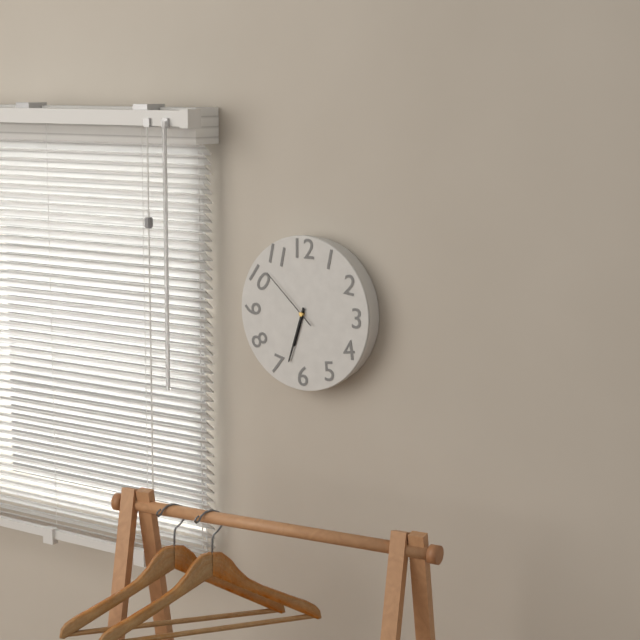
6:33:52
